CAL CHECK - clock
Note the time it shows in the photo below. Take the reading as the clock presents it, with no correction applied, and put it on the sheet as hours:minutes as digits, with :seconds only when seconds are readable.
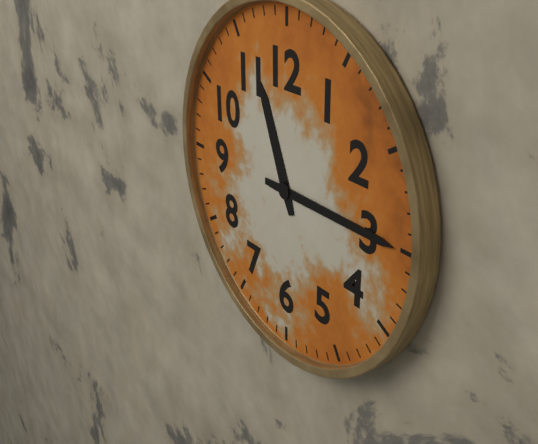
11:15
